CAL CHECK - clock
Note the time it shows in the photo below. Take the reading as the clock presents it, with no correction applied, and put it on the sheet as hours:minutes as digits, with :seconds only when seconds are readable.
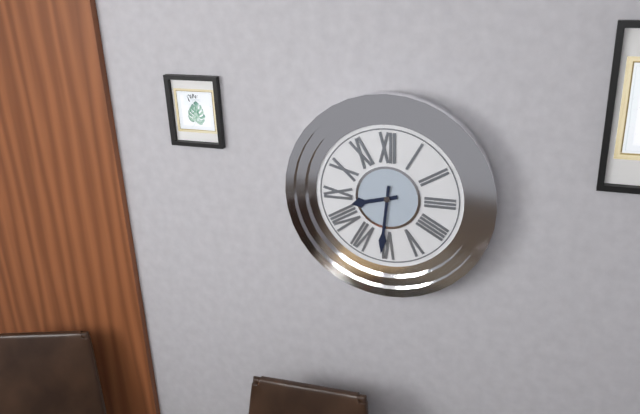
8:31
